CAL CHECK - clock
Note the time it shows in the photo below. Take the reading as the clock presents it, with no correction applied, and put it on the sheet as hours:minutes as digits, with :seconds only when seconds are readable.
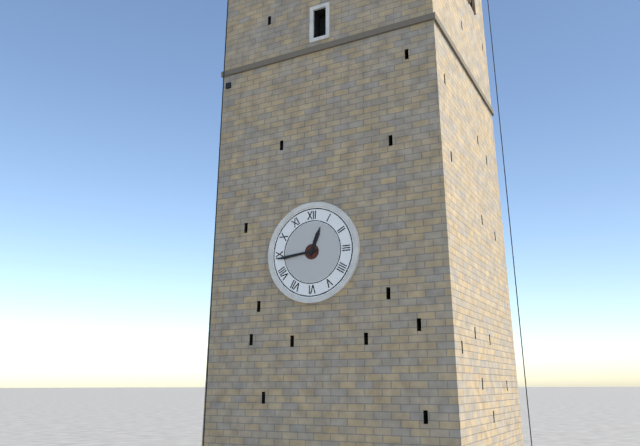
12:44
